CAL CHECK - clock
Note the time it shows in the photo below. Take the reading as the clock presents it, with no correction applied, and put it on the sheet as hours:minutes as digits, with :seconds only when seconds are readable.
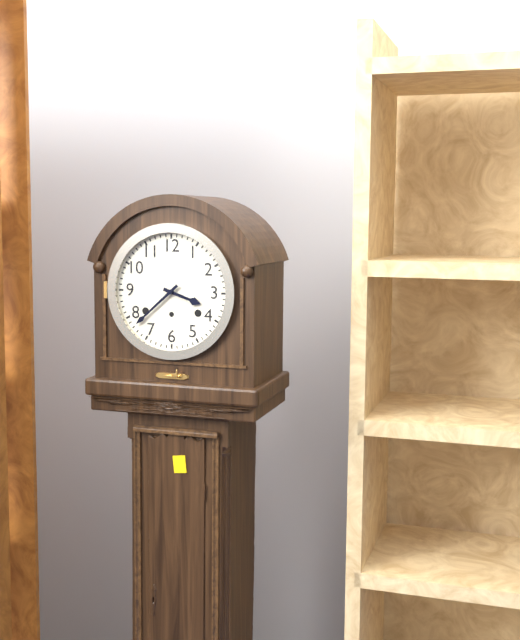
3:38
